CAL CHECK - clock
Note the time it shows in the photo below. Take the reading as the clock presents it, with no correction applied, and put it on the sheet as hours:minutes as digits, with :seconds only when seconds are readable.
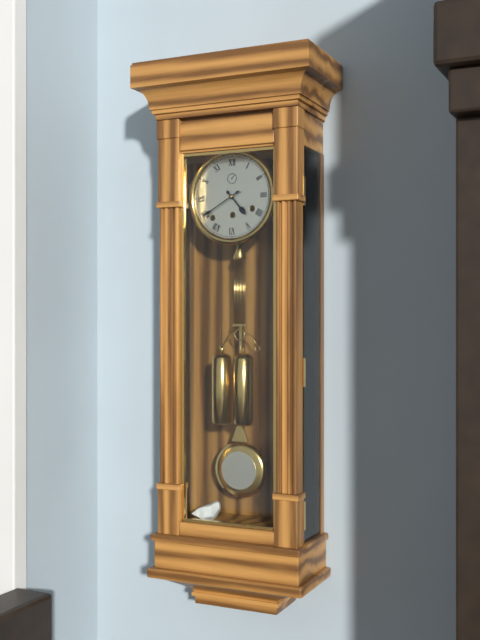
4:40
